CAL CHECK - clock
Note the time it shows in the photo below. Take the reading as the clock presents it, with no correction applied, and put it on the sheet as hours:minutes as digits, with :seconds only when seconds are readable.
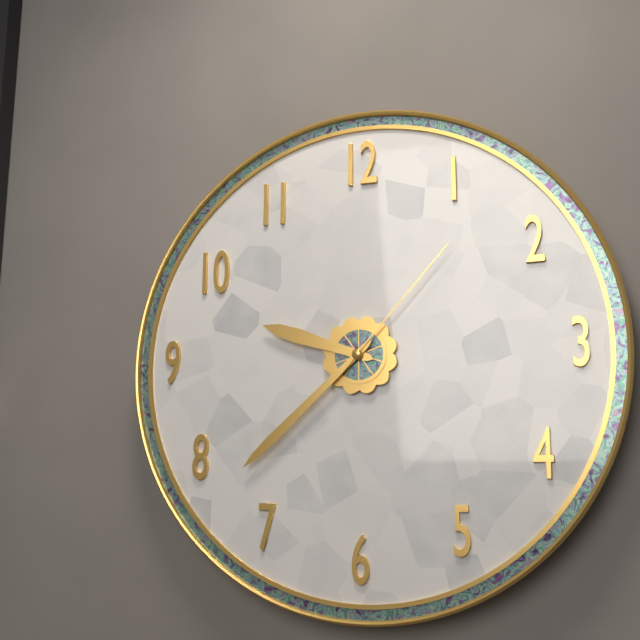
9:38:07
